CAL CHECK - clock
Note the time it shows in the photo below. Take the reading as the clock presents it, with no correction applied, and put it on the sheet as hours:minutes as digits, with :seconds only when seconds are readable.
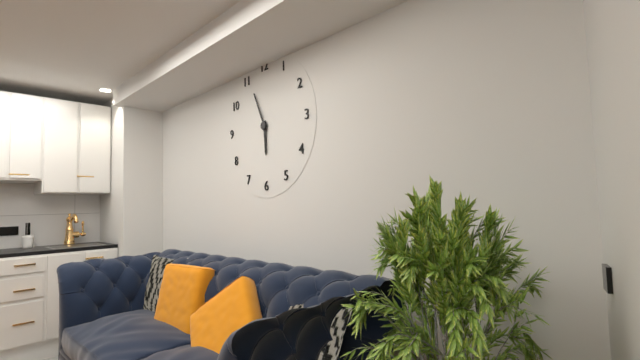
5:56
